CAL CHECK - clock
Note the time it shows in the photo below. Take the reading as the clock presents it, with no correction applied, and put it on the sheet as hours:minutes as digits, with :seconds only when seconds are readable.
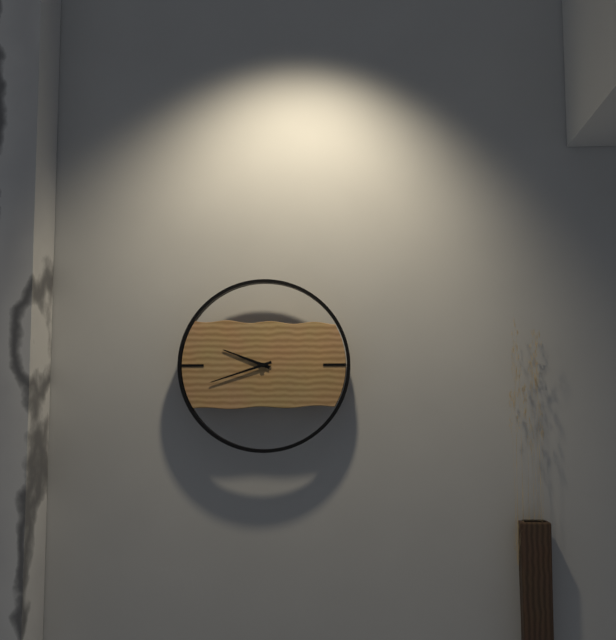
9:42
